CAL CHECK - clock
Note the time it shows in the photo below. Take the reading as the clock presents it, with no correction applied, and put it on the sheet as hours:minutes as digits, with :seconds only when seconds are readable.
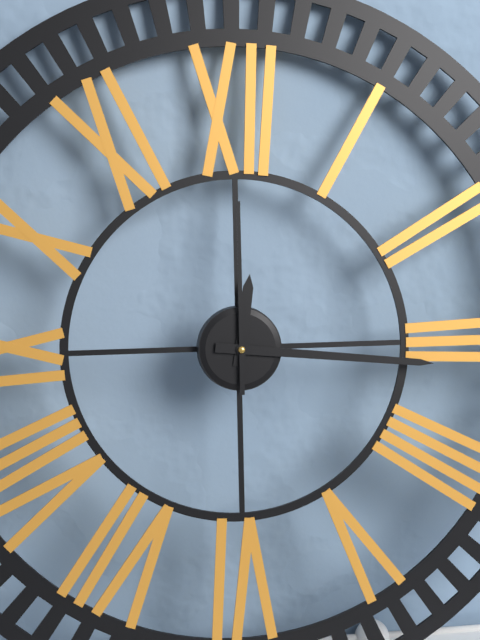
12:16:00
